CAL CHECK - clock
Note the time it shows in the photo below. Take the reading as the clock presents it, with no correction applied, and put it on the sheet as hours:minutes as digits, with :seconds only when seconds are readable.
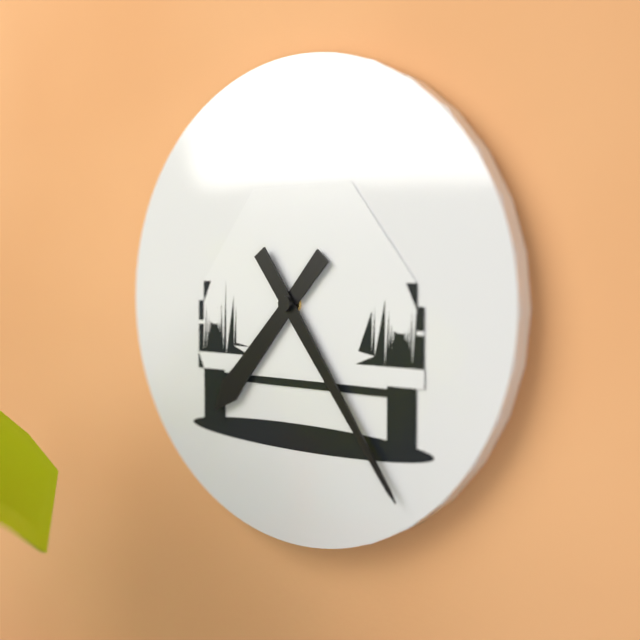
7:24
